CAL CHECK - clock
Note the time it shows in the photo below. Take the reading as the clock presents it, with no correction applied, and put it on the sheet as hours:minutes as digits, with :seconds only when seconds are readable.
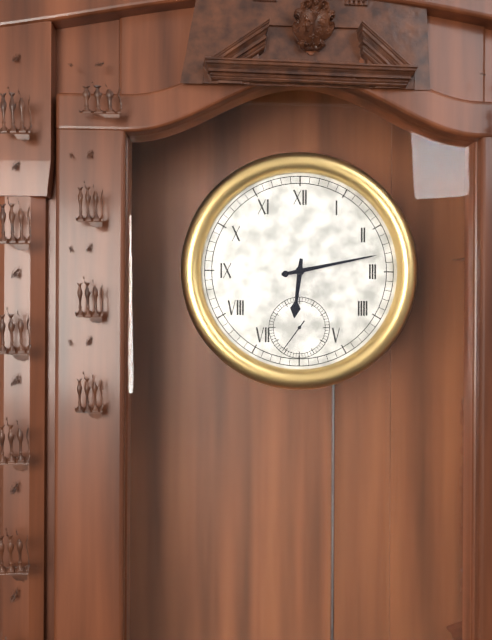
6:13
